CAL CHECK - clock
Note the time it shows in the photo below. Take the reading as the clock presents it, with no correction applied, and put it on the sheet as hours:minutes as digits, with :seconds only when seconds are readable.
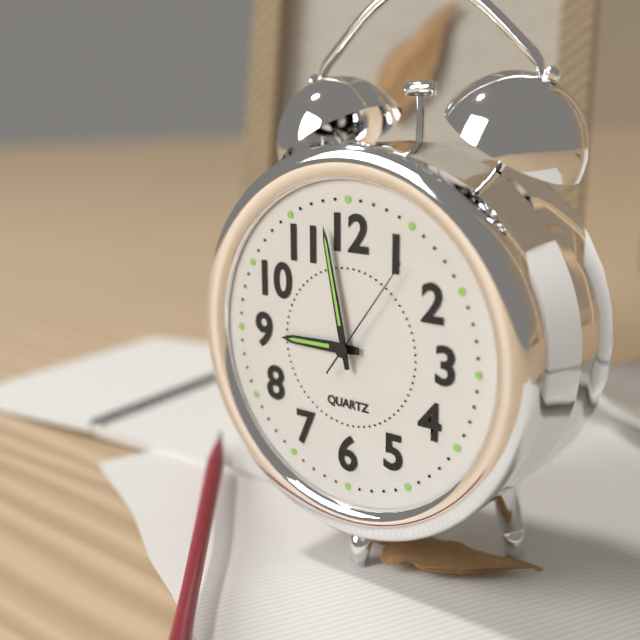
8:58:06
